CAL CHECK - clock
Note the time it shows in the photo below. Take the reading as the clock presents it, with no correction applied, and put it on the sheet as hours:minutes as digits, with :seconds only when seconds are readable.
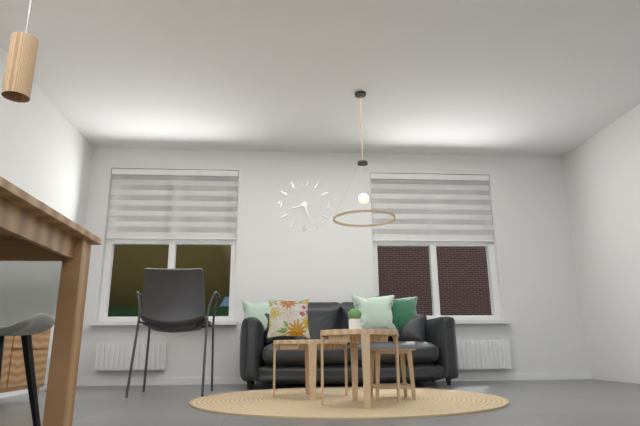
8:27
